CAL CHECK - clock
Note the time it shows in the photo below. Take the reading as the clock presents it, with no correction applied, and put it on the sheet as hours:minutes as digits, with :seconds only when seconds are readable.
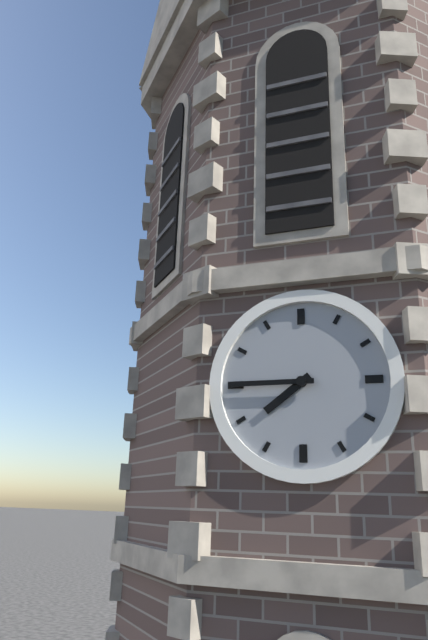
7:45
